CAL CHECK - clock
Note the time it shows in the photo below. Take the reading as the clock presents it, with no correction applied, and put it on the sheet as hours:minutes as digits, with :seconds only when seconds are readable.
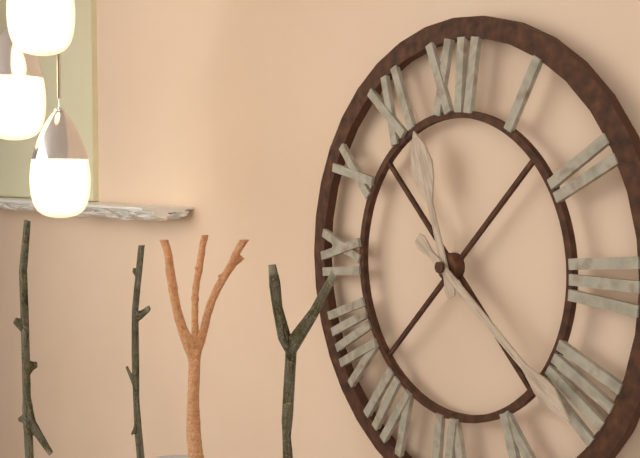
11:21
